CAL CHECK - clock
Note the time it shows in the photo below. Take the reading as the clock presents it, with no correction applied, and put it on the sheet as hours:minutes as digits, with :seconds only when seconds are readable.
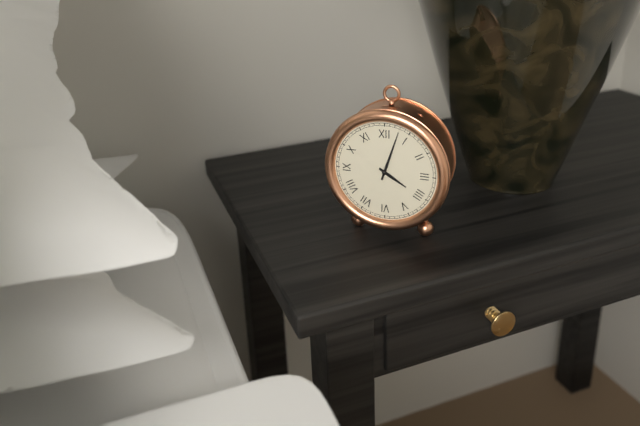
4:03
